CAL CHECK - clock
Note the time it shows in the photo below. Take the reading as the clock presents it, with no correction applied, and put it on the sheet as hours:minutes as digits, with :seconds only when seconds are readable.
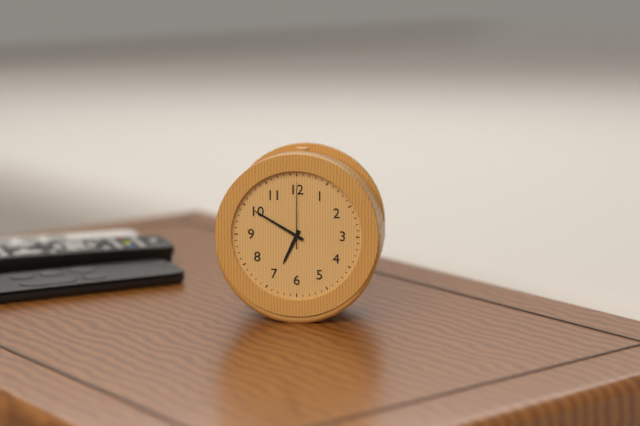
6:50:00
